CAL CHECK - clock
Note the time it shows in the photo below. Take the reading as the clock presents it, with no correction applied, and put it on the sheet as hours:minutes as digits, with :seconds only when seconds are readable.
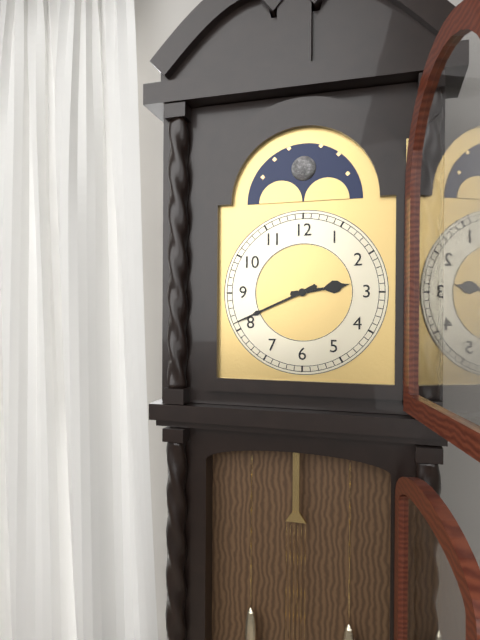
2:41
